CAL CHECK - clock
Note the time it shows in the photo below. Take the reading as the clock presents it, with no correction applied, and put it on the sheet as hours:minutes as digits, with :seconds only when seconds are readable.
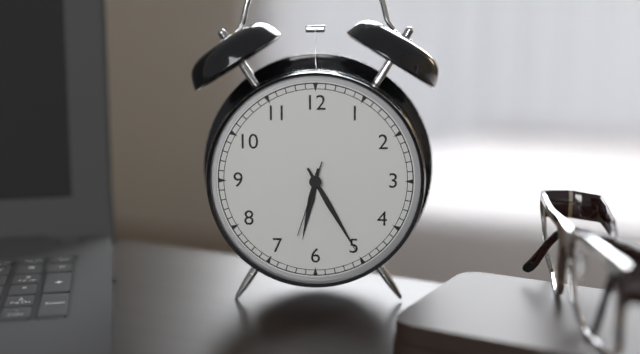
6:25:33
